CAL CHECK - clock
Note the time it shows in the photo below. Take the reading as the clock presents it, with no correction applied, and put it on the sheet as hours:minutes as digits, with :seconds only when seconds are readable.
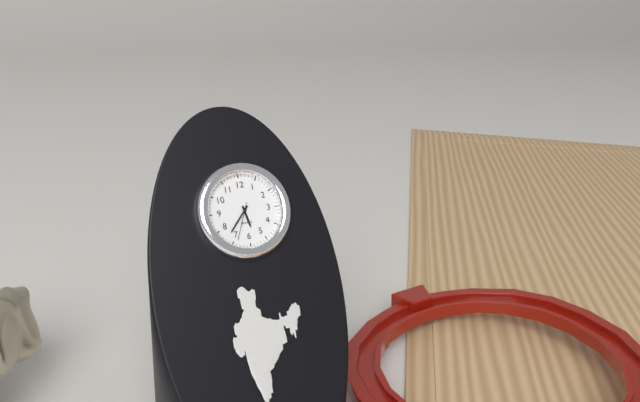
5:37
